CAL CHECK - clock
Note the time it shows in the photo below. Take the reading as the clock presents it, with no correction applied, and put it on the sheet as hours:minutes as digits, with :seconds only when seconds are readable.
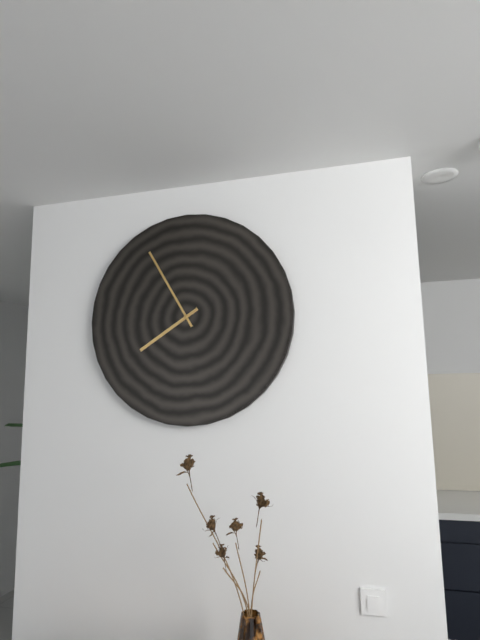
7:55
